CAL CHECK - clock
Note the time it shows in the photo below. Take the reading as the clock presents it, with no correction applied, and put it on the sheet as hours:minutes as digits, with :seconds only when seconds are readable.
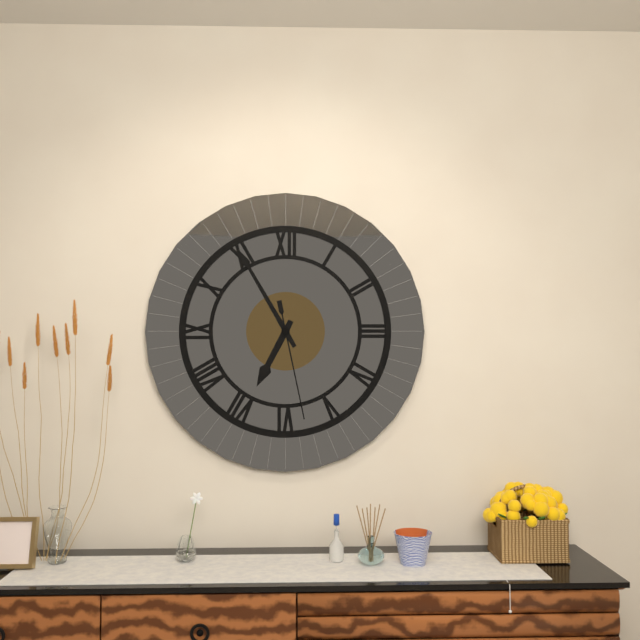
6:55:28
